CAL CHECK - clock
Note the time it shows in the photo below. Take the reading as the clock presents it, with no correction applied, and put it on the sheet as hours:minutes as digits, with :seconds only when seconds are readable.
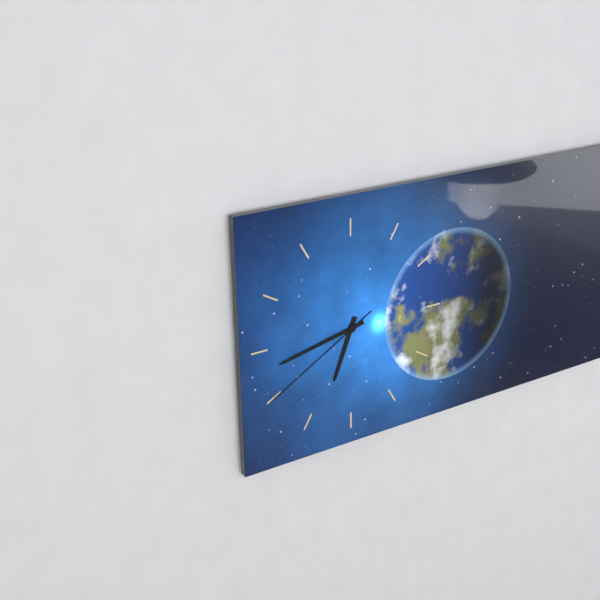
6:43:40
